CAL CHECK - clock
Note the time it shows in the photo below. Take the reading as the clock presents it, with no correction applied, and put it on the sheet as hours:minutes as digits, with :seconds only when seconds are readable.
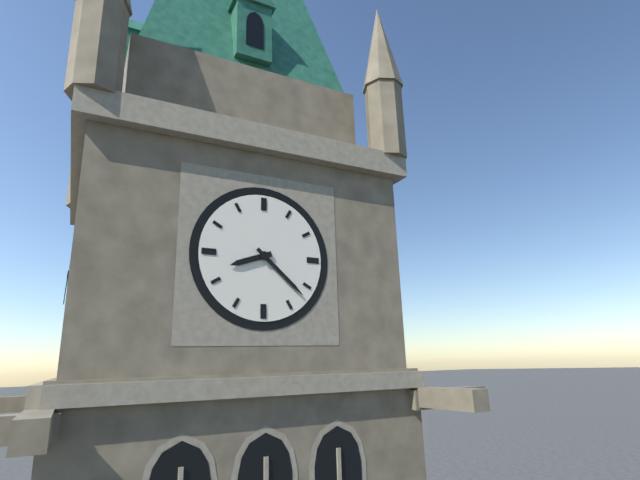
8:22
